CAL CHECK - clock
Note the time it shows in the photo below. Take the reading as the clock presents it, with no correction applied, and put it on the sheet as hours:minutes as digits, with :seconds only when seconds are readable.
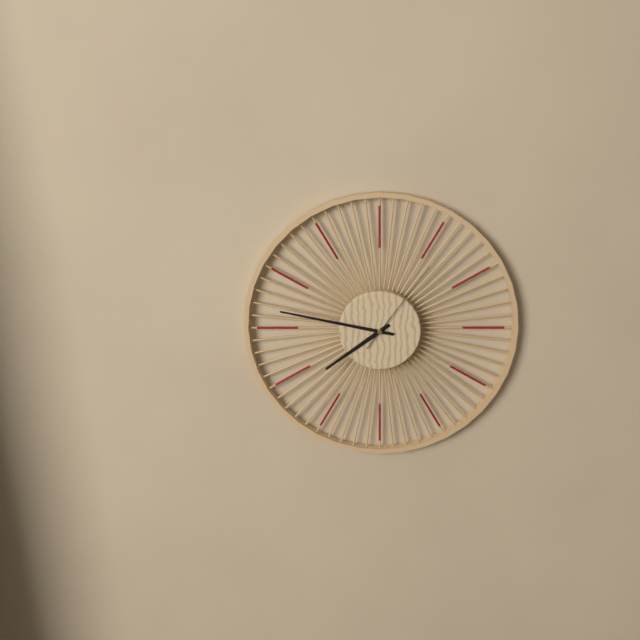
7:47:06
